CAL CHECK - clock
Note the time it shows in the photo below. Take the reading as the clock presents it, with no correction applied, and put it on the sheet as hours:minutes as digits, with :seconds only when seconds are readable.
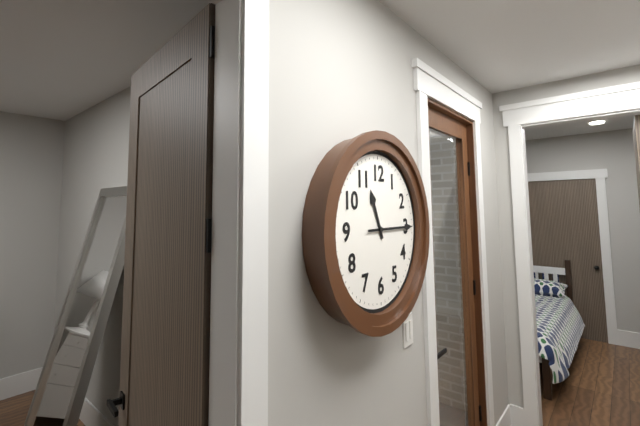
11:15
